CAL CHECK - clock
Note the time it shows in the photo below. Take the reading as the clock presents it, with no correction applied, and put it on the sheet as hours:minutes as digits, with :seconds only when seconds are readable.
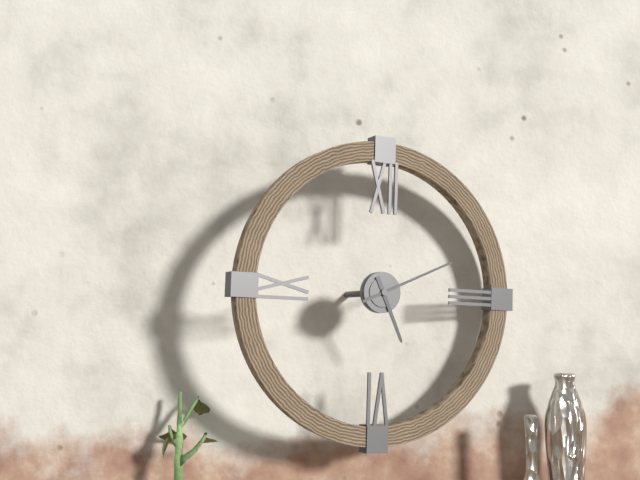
5:11
